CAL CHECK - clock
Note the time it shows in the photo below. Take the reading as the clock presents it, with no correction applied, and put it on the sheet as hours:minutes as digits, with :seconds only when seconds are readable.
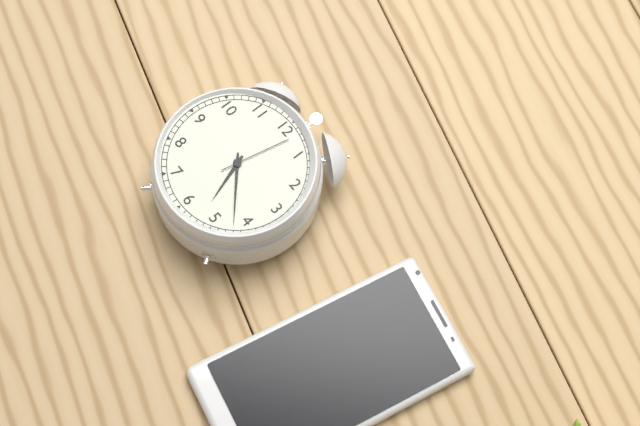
5:22:02
